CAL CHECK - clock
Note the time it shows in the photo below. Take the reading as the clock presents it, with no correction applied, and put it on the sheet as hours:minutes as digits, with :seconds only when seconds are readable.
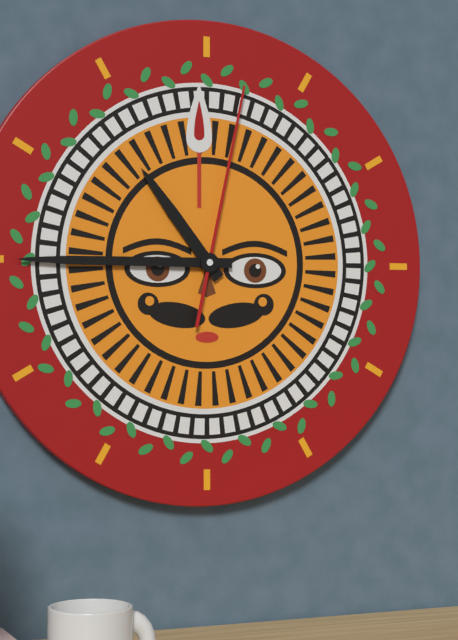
10:45:02
